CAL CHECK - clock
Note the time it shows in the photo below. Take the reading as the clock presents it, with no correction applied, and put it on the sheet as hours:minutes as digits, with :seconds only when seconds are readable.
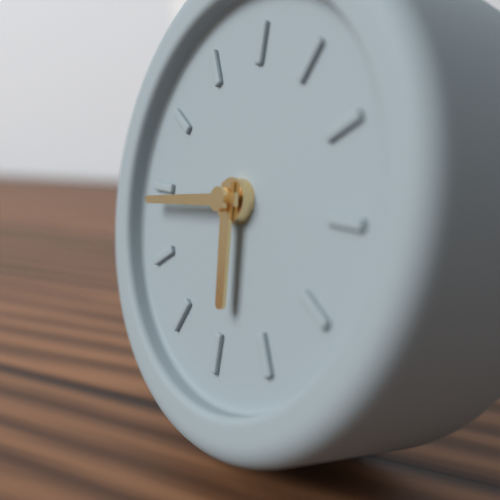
5:44
